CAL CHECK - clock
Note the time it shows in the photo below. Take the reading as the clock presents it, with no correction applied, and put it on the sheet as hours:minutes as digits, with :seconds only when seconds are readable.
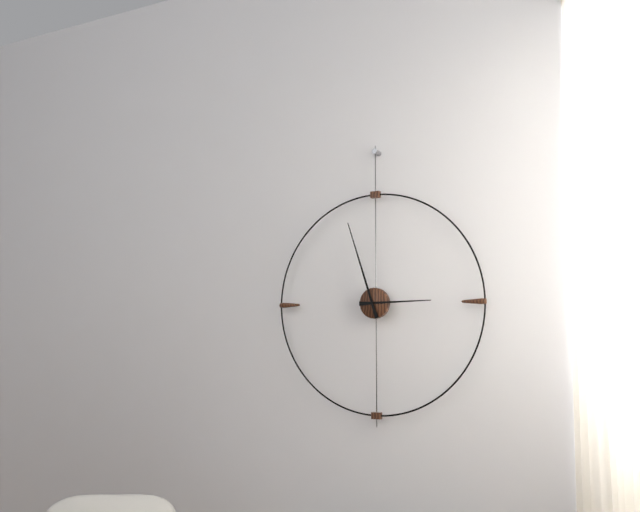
2:57
